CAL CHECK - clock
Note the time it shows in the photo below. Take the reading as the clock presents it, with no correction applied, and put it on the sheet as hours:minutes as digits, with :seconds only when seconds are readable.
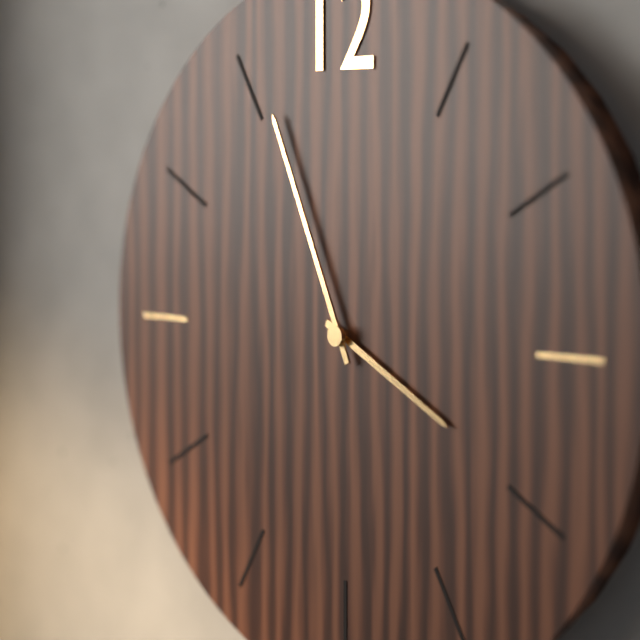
3:56
